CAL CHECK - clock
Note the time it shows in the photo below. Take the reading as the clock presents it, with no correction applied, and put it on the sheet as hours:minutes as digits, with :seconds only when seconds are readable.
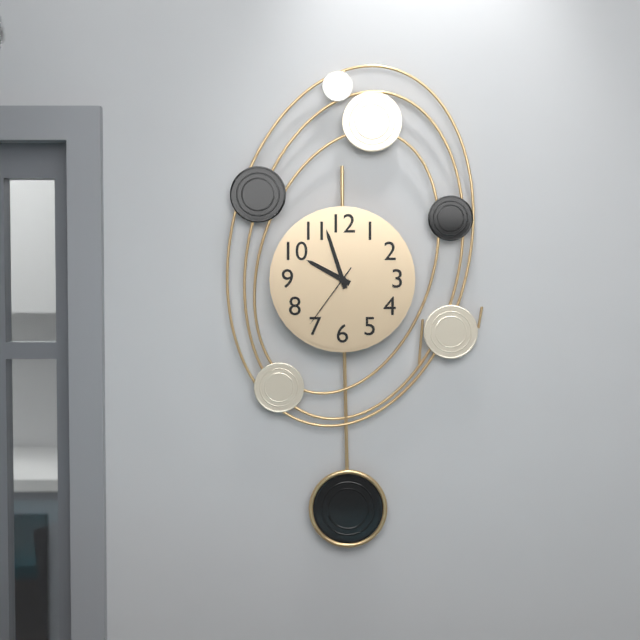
9:57:36
